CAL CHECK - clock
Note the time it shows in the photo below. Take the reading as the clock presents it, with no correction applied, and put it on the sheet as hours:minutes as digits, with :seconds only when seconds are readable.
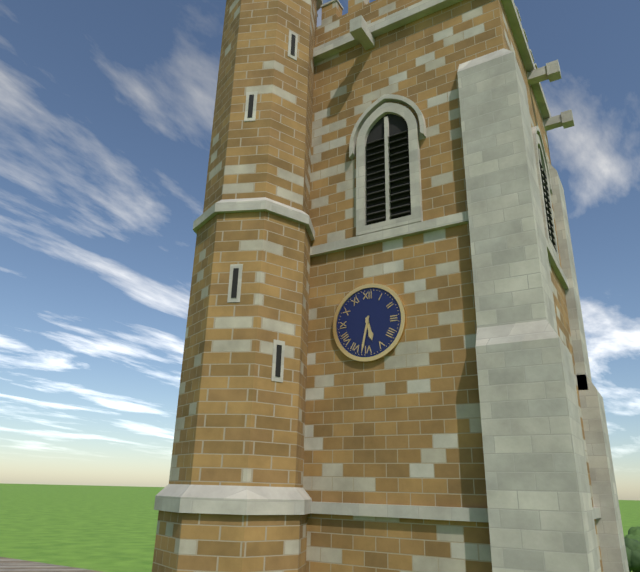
5:32
